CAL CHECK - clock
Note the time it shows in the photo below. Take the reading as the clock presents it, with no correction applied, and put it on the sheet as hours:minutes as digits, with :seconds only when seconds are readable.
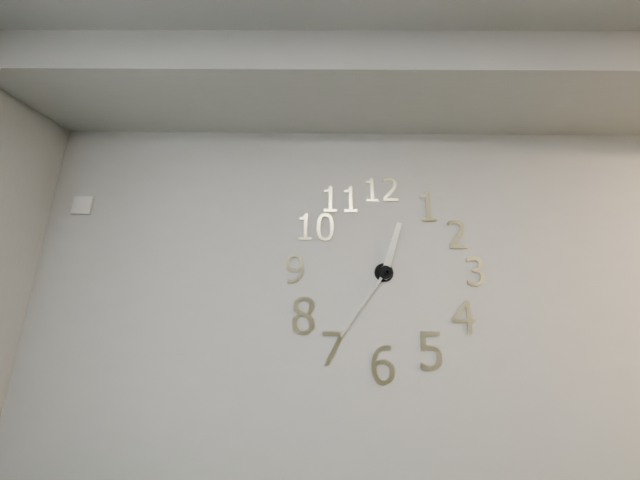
12:36
